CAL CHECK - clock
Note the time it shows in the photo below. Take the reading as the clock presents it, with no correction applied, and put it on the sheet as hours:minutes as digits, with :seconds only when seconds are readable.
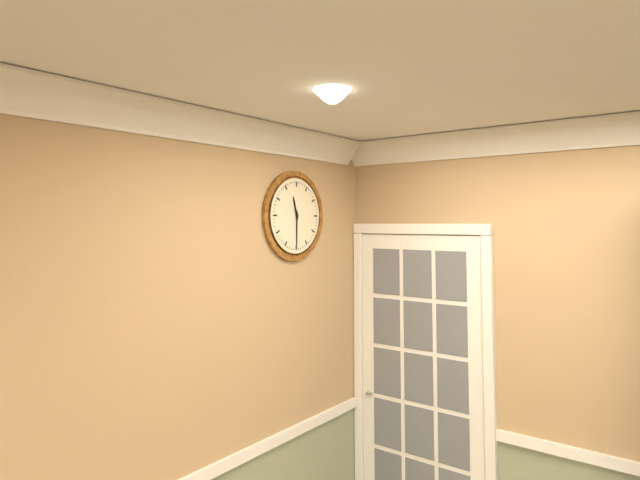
11:30
